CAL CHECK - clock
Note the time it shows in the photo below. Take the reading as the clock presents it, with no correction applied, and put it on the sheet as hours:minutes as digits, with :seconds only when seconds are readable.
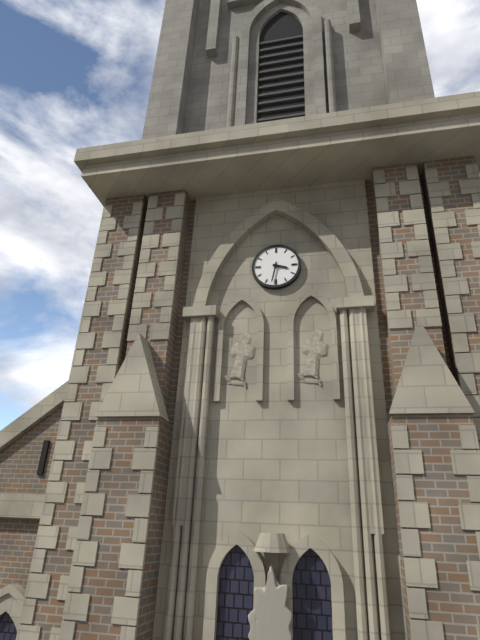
3:32
